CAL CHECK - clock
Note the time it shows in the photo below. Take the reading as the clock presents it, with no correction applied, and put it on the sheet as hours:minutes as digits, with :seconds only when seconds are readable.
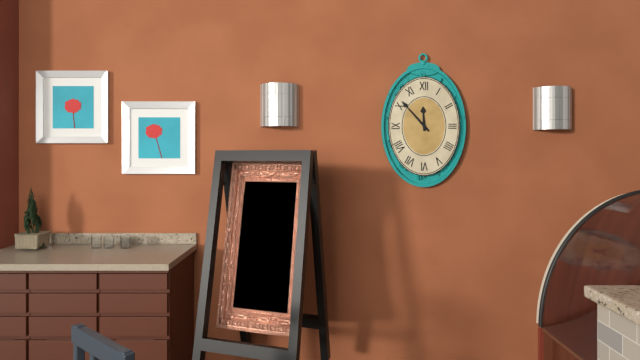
11:53
